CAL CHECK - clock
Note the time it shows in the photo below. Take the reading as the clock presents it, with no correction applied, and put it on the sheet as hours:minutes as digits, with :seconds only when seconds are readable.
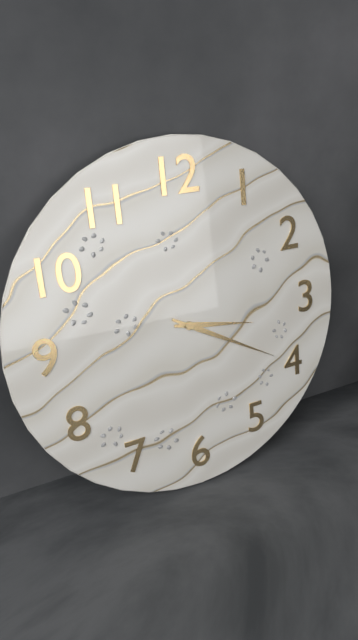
3:20
